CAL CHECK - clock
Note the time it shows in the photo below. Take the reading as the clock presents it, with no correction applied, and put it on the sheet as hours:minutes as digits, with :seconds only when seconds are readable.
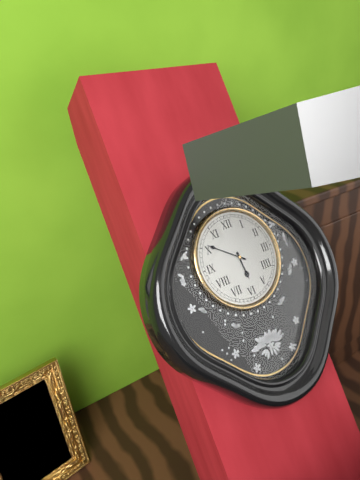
5:51
